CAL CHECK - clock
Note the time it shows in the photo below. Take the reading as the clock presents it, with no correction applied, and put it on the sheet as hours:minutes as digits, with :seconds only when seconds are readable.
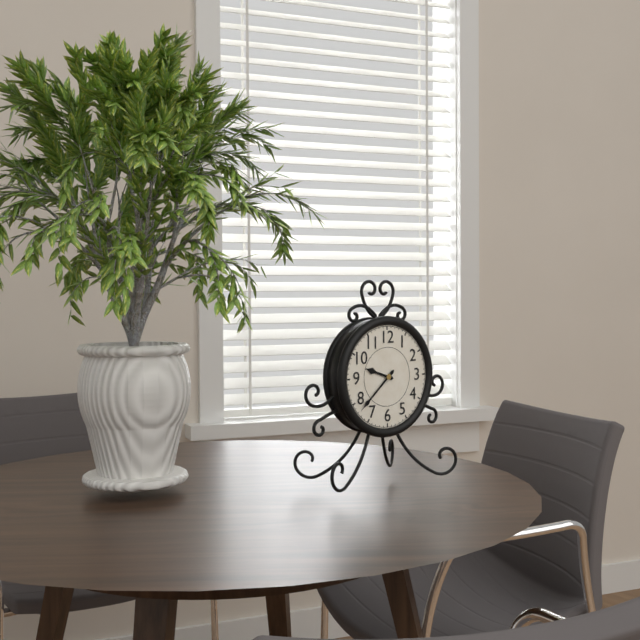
9:38
